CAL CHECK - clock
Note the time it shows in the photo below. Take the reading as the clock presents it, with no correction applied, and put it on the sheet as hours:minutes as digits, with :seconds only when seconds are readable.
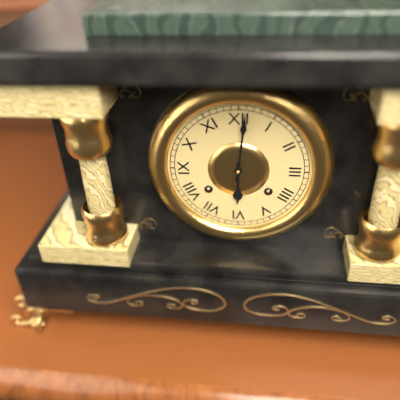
6:01
